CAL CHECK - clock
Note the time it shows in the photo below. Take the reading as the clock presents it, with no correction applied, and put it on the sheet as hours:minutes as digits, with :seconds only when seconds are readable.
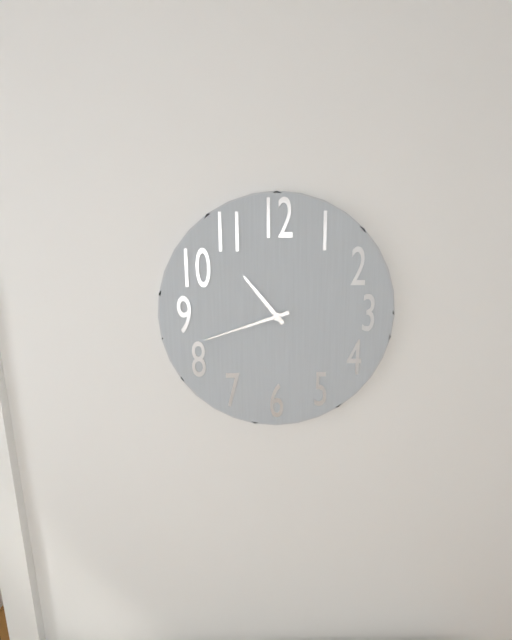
10:42
